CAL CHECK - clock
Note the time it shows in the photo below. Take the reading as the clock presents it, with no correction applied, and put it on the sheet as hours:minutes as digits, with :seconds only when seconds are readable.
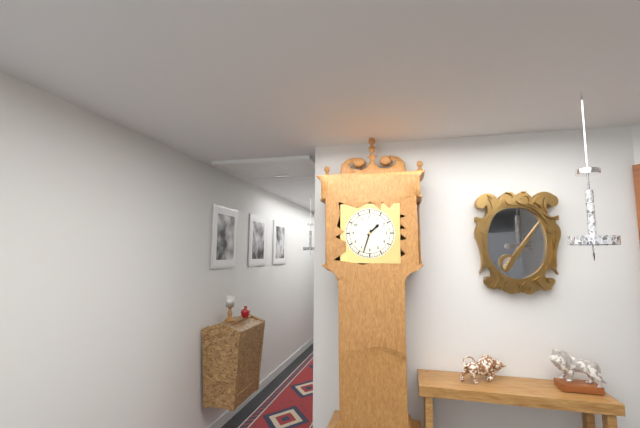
1:33
